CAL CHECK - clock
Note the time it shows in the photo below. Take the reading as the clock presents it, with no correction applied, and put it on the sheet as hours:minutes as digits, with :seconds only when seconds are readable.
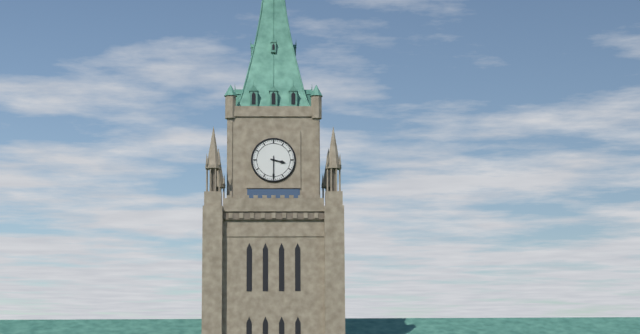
3:30
